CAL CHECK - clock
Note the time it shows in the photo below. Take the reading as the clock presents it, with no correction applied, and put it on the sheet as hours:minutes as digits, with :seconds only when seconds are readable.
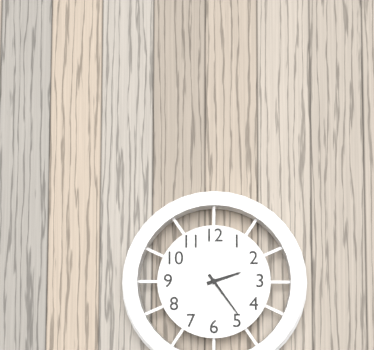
2:24
